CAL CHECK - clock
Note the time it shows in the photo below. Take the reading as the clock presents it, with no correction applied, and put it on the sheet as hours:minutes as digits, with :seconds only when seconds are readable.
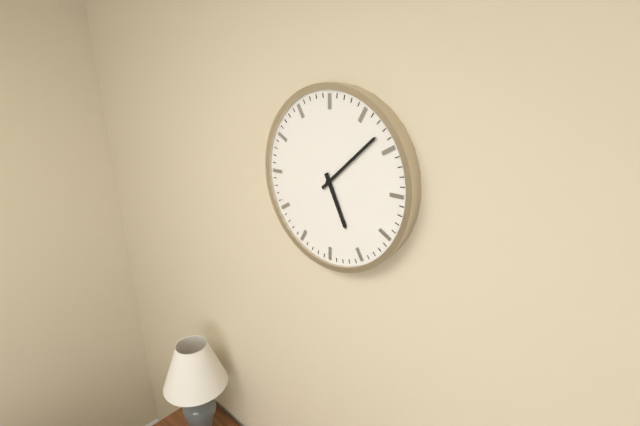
5:08
